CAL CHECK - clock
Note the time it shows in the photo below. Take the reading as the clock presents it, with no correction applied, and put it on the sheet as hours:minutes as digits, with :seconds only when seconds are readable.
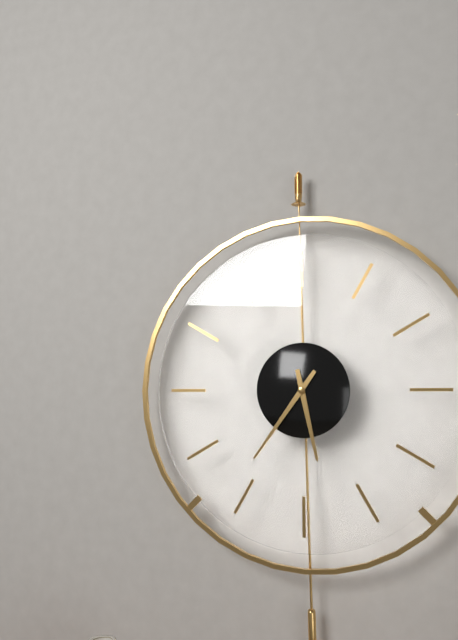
5:36
